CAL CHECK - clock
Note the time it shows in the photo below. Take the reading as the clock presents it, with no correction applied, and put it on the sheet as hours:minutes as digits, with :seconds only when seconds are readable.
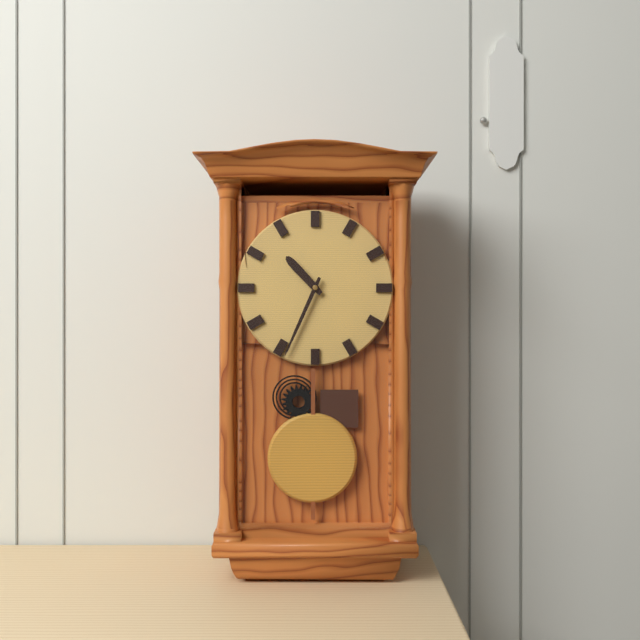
10:34
